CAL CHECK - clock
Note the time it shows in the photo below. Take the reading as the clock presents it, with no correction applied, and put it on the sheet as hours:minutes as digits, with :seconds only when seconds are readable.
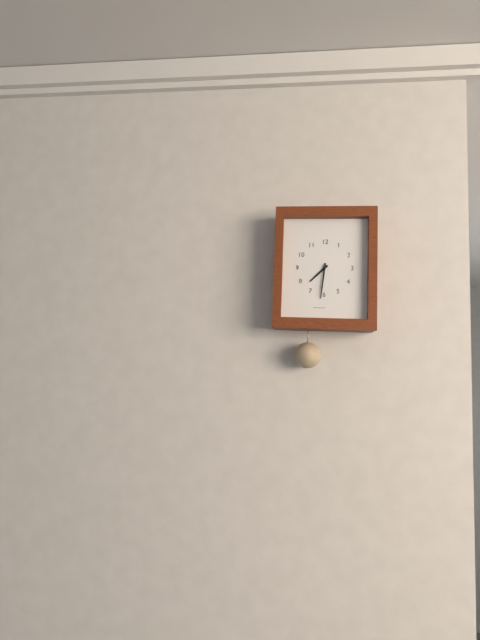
7:31
